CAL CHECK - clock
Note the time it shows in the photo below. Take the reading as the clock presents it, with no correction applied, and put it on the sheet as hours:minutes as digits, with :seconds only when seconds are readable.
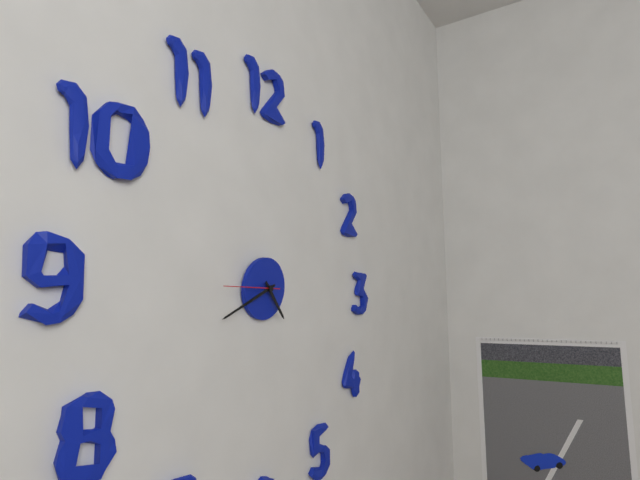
4:41:45
